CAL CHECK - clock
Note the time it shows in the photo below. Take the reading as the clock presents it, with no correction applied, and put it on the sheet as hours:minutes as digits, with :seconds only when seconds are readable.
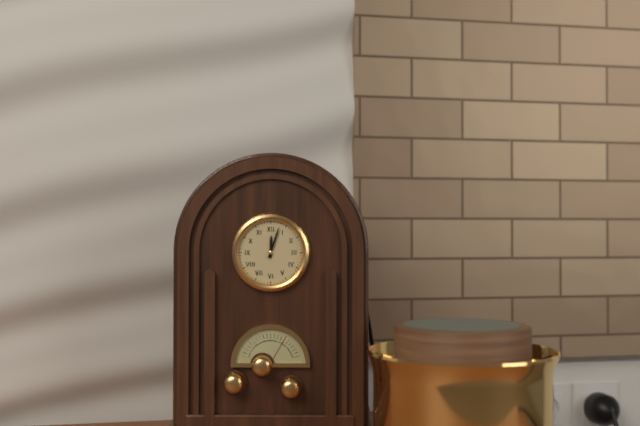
12:03
